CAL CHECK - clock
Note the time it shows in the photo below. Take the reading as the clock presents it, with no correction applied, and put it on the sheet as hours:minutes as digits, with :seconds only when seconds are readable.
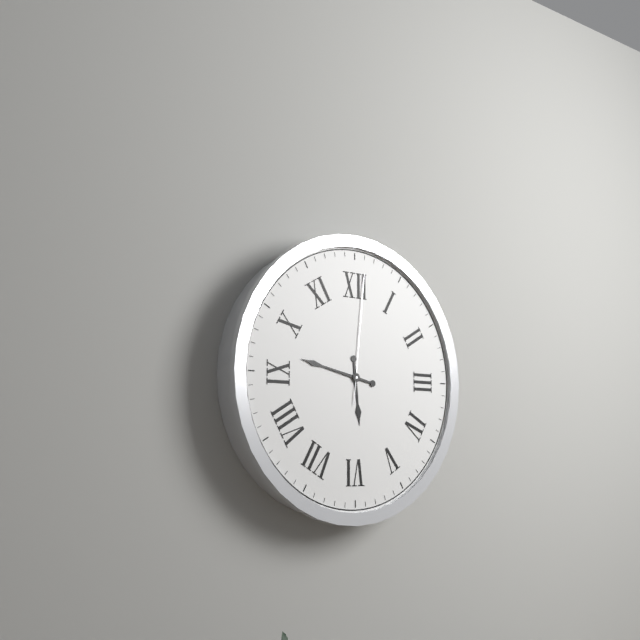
5:47:01
